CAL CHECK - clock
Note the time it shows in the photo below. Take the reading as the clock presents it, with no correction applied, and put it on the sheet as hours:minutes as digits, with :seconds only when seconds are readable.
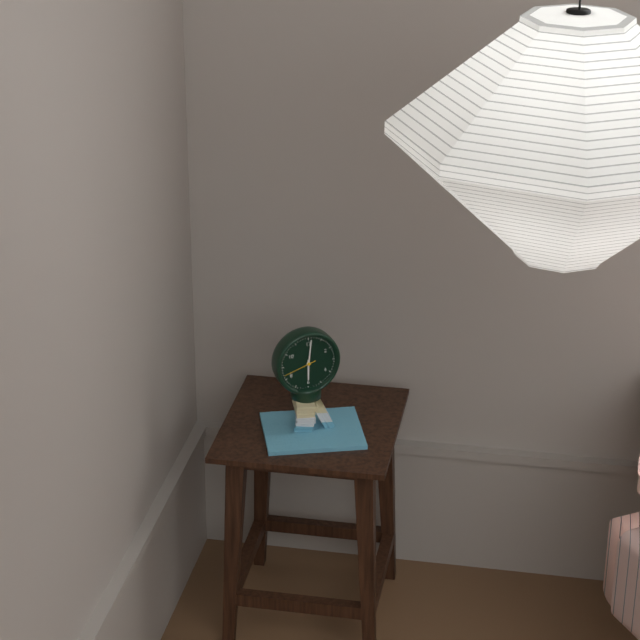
6:01
